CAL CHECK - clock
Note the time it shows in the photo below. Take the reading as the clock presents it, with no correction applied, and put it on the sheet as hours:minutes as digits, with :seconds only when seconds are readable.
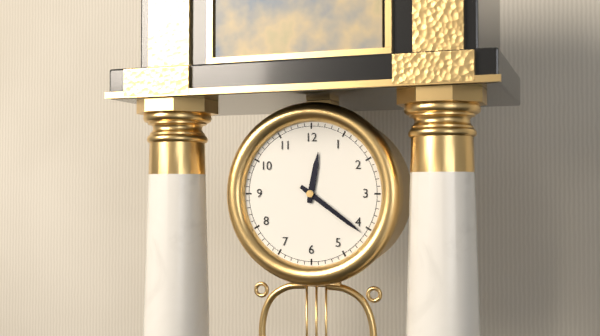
12:21
